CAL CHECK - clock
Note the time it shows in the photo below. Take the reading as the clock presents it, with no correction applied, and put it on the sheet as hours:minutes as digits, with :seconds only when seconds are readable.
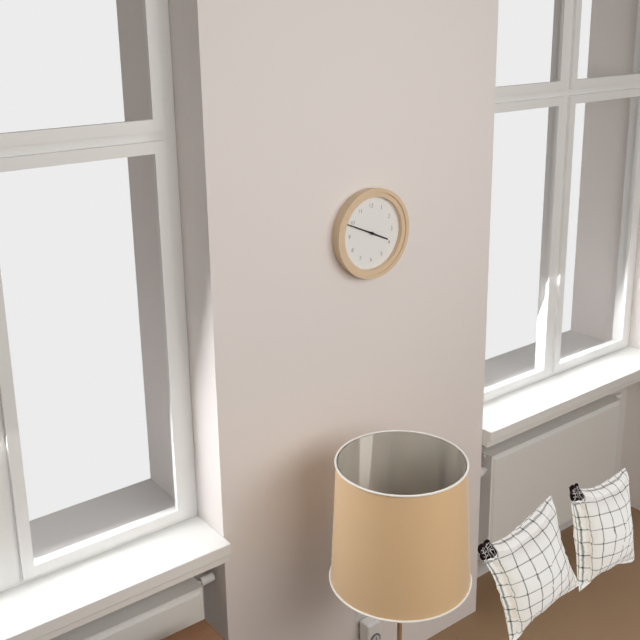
3:49
